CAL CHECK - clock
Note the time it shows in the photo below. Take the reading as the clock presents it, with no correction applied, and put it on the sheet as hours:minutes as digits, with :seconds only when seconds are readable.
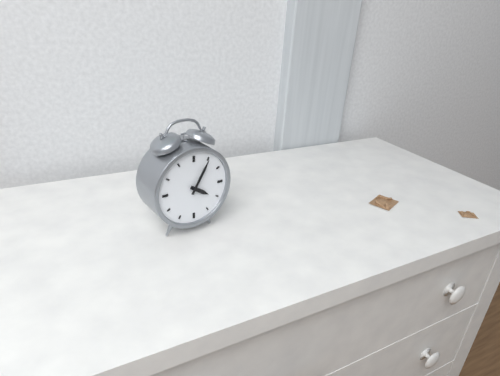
4:05
